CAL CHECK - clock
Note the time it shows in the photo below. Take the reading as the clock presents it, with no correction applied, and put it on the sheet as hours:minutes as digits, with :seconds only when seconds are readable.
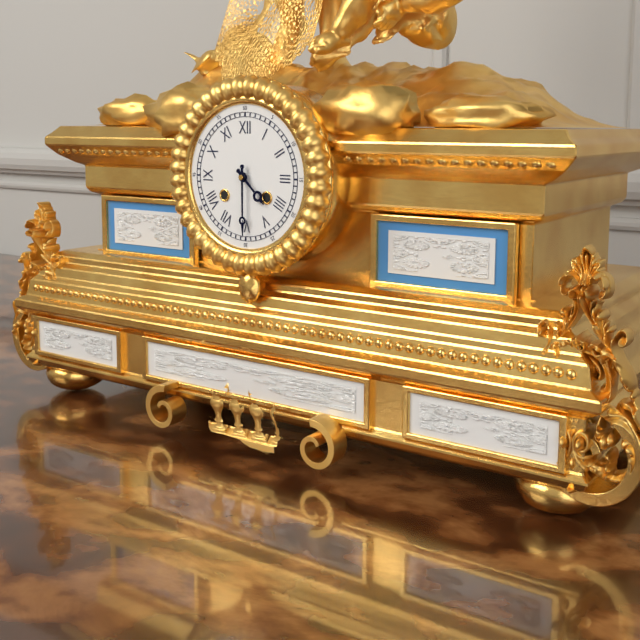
4:30
